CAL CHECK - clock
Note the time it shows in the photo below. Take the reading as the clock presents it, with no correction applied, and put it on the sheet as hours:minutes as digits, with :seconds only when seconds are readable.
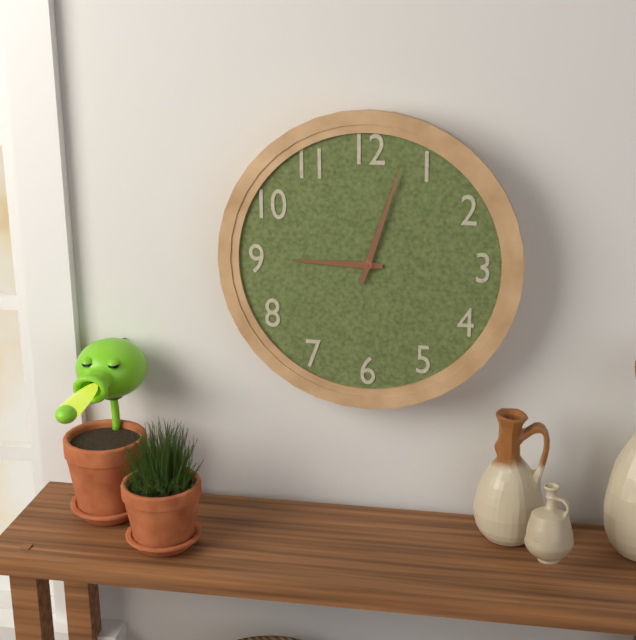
9:03
